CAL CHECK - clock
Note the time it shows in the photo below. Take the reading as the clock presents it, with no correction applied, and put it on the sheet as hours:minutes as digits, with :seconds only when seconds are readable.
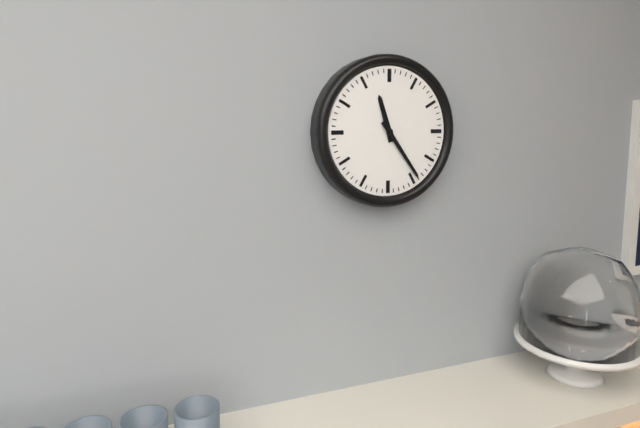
11:24
